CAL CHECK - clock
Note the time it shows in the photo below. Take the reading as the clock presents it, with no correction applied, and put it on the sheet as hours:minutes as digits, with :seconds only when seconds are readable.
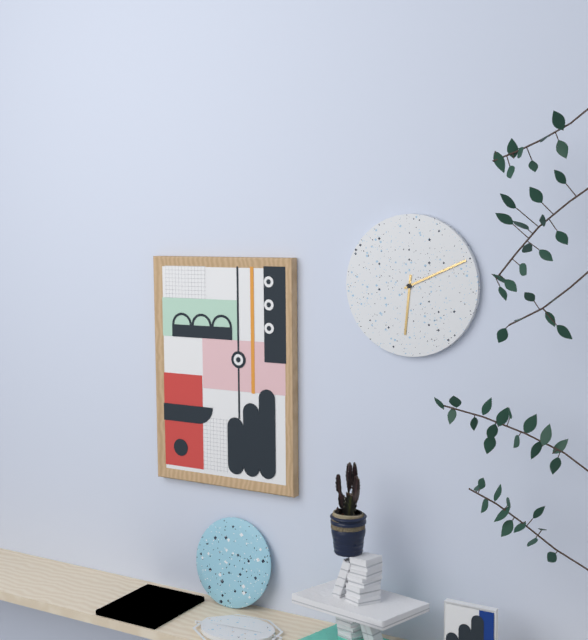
6:11
